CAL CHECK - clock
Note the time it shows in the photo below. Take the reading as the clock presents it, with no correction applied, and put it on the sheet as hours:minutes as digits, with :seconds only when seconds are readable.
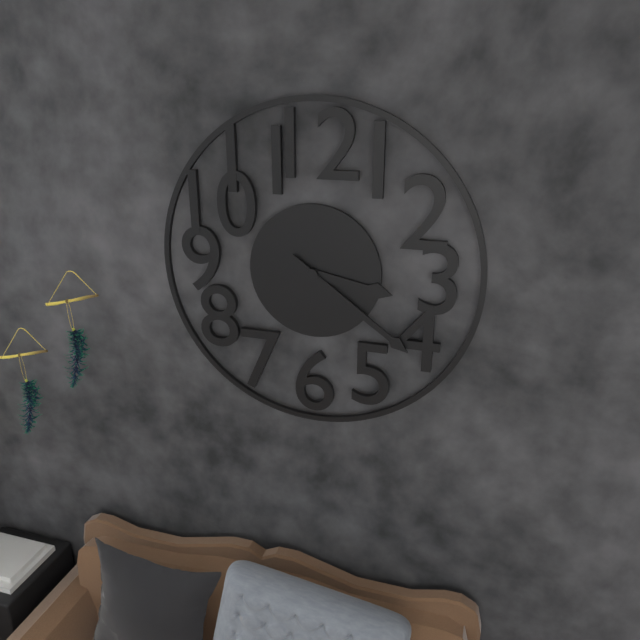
3:21
